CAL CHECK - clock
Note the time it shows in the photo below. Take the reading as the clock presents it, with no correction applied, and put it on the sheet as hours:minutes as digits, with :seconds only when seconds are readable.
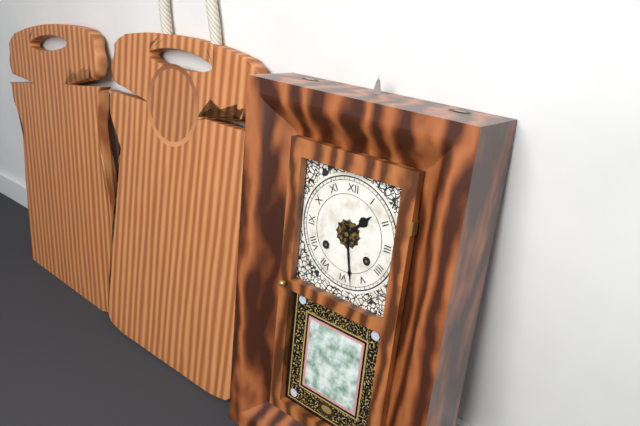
1:28
